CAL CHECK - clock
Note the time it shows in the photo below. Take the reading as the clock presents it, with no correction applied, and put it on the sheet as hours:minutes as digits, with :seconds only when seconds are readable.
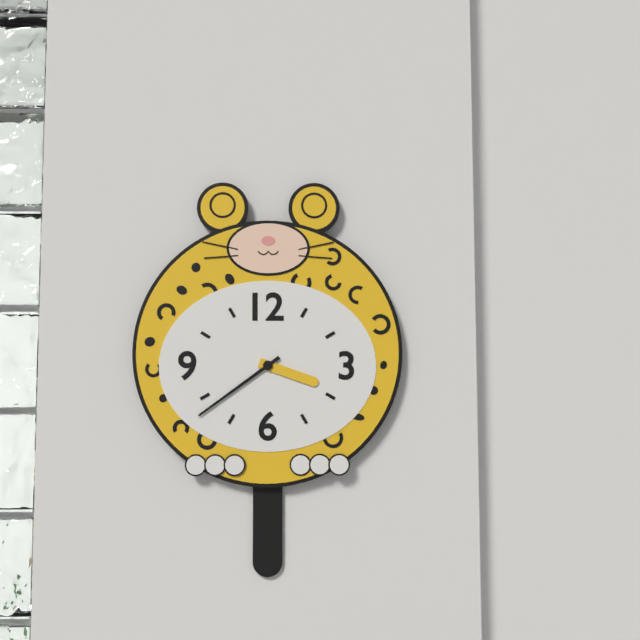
3:39
